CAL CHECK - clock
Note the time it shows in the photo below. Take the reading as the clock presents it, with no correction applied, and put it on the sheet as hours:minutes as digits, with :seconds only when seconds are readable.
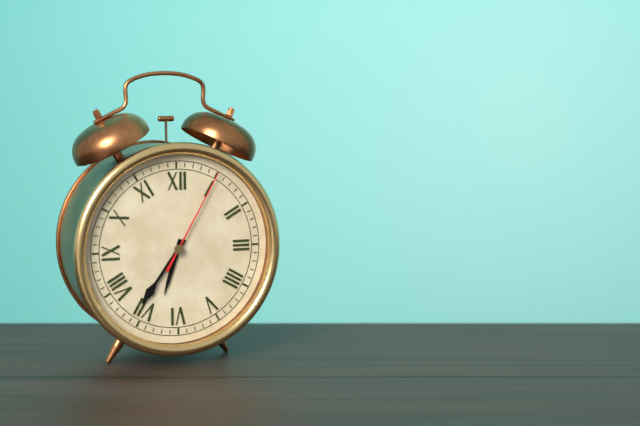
6:36:05
